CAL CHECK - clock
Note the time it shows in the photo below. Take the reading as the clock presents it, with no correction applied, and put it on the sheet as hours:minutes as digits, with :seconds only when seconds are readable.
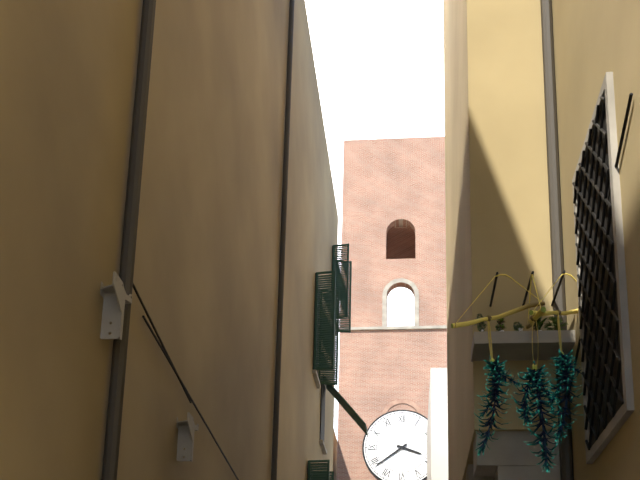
3:39
